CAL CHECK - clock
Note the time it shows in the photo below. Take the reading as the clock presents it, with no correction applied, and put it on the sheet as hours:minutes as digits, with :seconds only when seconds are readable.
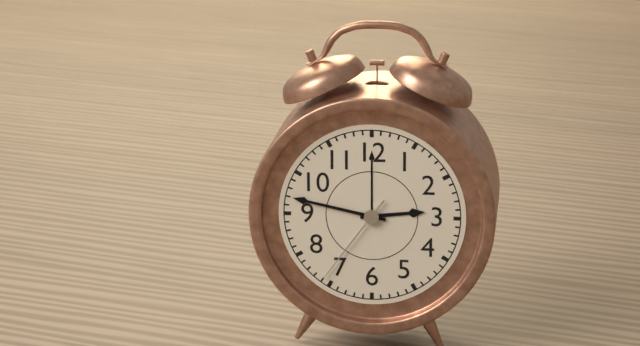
2:47:36
